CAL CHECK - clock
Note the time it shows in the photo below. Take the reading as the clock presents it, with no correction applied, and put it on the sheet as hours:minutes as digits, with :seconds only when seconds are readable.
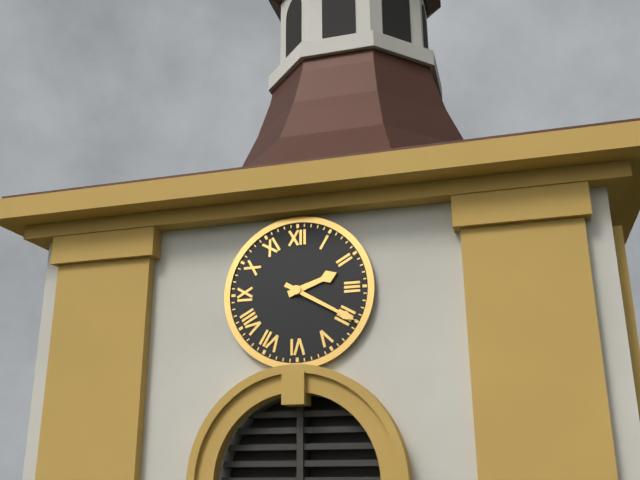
2:20
